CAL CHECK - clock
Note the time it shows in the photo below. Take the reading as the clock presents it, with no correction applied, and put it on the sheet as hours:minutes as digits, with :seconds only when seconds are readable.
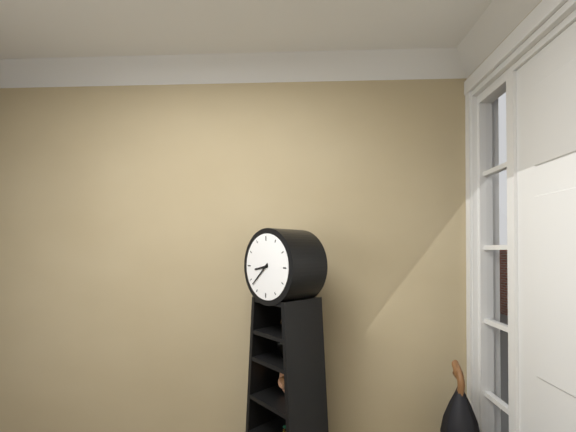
8:38
